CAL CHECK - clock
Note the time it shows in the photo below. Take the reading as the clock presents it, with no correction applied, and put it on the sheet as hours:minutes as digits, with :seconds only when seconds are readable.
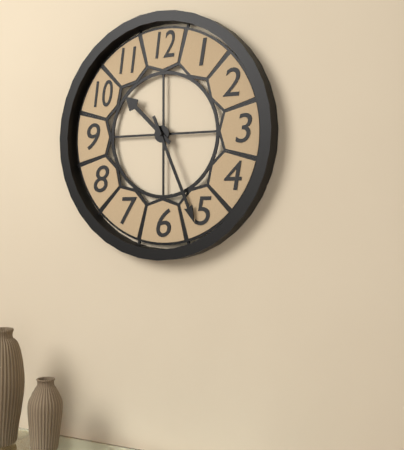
10:26
